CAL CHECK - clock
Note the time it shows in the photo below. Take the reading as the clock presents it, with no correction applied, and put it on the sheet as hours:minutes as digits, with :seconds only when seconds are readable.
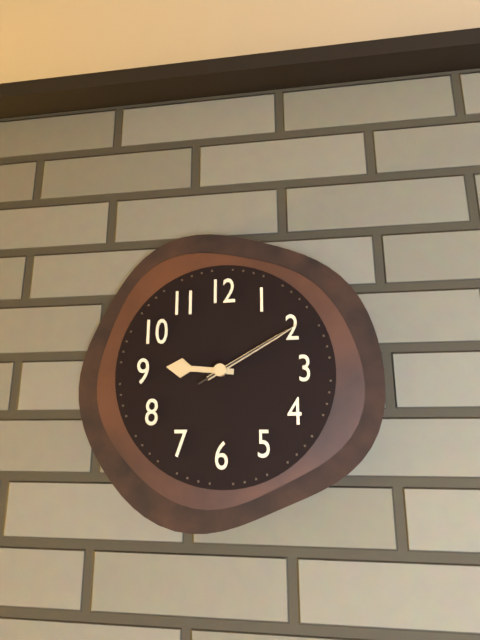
9:10:10
